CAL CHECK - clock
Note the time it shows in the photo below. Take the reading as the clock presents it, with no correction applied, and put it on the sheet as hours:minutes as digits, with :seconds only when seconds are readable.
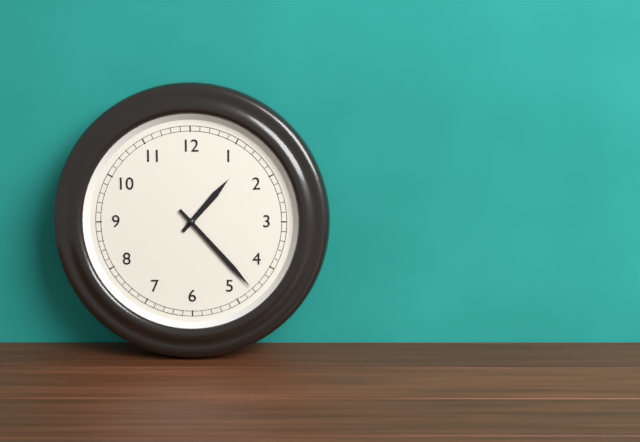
1:23
